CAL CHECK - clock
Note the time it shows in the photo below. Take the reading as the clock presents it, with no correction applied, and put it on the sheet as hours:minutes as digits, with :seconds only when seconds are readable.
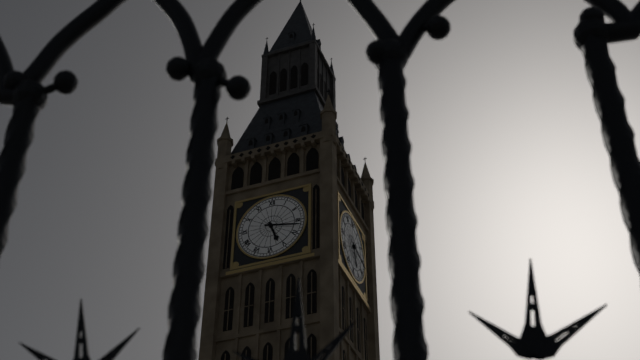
5:17
